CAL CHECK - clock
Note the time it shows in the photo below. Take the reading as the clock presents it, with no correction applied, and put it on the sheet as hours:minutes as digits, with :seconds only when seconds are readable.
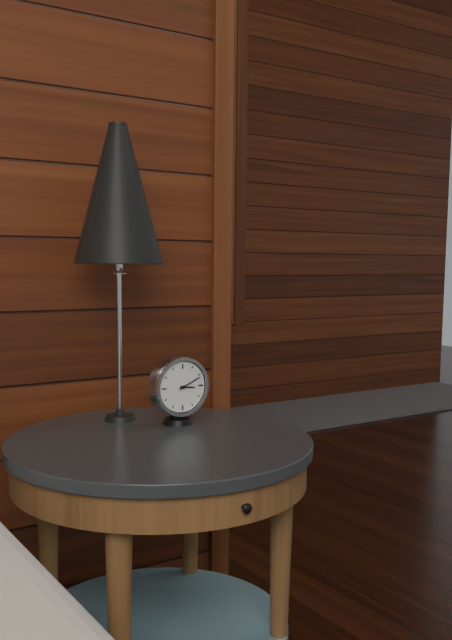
3:11
